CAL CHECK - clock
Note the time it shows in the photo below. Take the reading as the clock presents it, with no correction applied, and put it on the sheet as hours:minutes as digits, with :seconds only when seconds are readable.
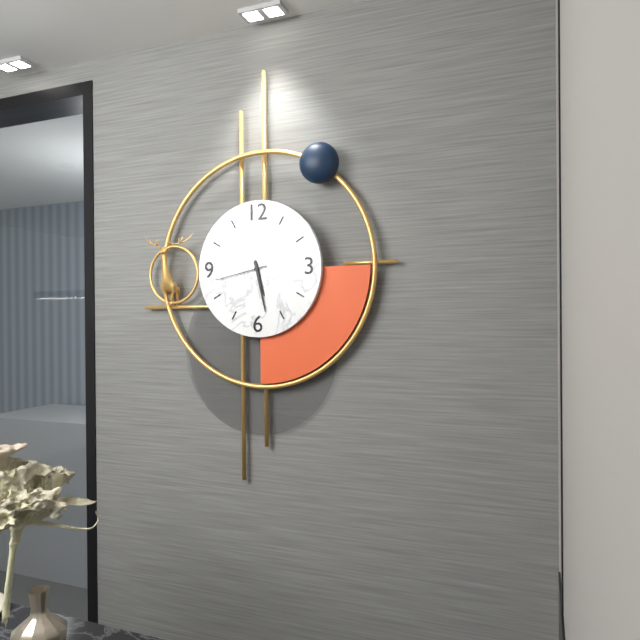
5:28:43
